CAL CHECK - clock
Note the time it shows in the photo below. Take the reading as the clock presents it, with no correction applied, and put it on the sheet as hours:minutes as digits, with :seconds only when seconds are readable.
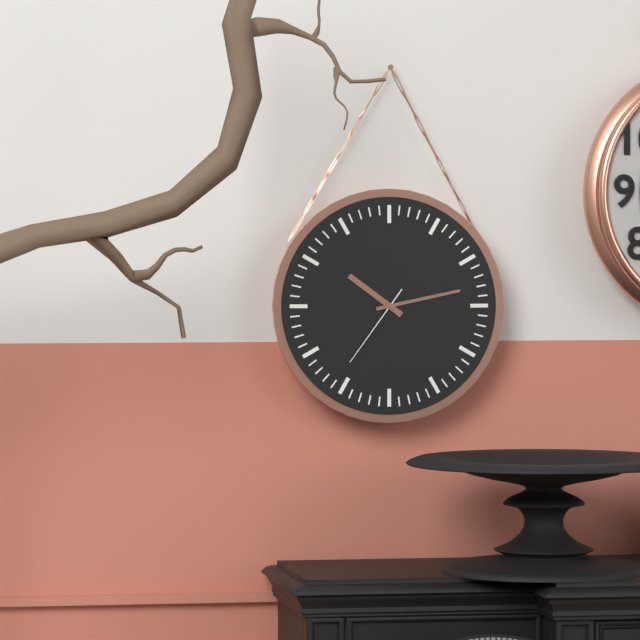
10:13:36
